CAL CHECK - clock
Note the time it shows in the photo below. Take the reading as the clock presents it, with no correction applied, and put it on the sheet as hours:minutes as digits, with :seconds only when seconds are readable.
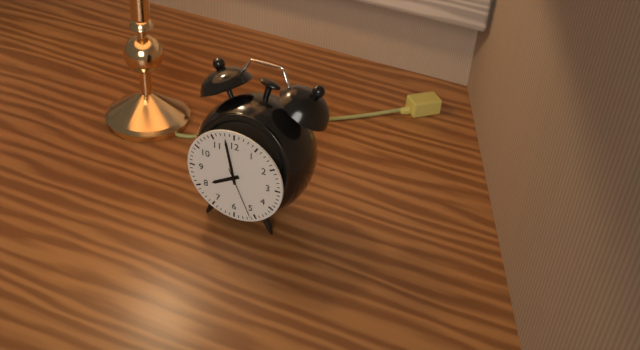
7:58:26
